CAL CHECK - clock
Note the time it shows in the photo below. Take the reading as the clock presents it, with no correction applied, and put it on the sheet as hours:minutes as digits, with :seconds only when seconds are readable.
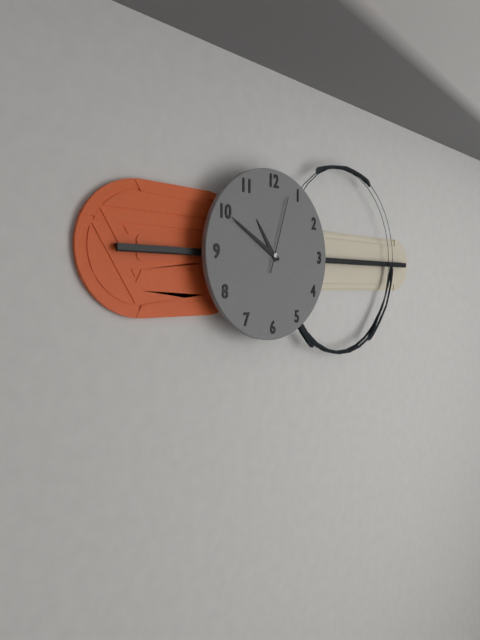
10:50:03
